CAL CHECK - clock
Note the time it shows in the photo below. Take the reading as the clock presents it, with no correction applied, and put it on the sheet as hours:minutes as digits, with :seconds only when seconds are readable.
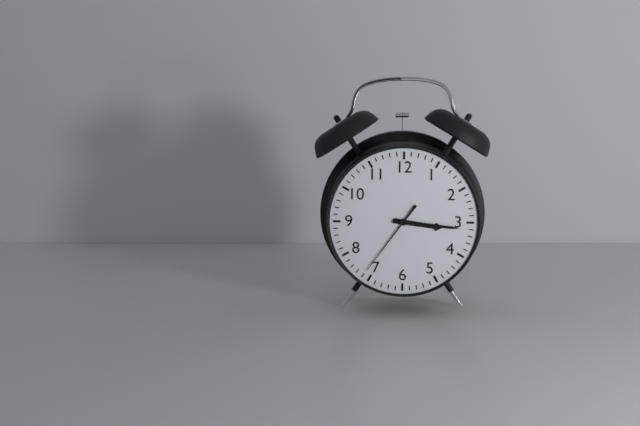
3:16:36
